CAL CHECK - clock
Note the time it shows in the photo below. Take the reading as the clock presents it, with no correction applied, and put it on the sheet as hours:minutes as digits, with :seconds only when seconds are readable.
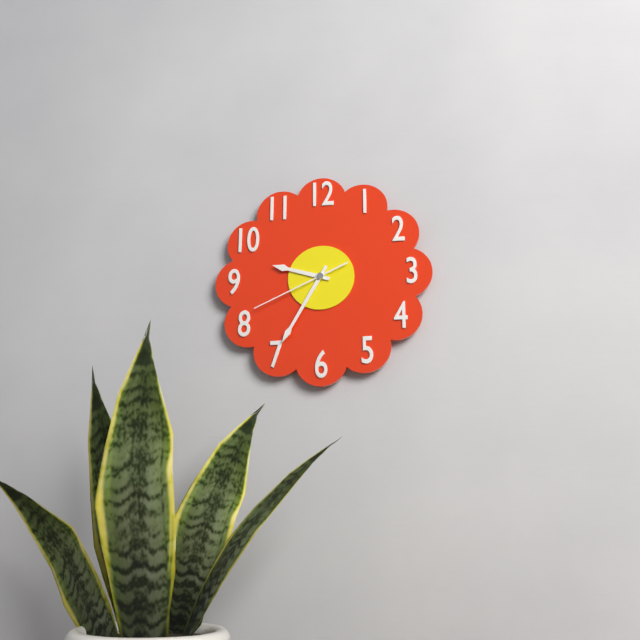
9:35:41
